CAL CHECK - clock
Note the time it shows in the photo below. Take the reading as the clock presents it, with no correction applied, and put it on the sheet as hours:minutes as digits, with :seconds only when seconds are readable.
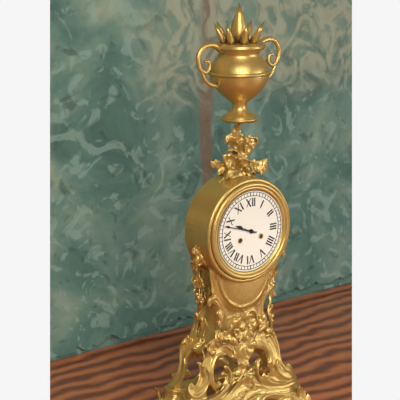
9:48
